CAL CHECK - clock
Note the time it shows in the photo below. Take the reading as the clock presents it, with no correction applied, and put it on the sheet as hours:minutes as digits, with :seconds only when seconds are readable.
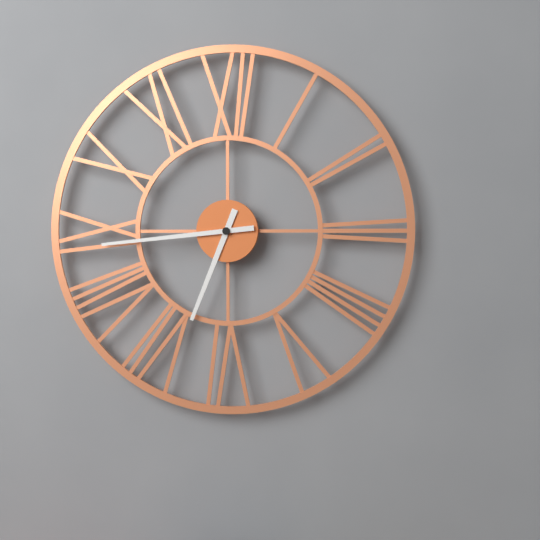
6:44
